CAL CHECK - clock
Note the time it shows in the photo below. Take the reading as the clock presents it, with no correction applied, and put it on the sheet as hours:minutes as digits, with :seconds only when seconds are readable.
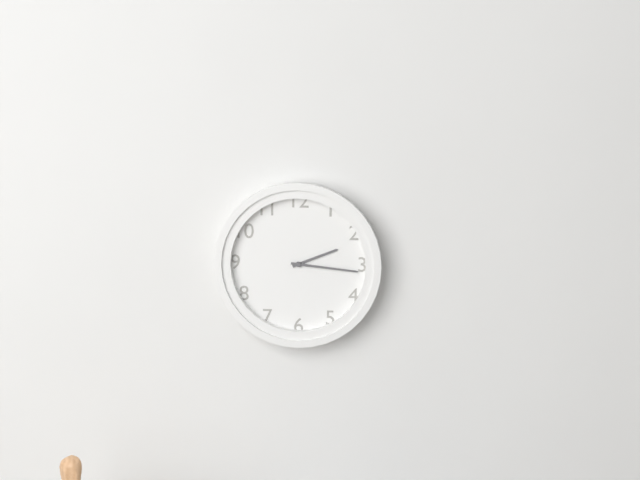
2:16
